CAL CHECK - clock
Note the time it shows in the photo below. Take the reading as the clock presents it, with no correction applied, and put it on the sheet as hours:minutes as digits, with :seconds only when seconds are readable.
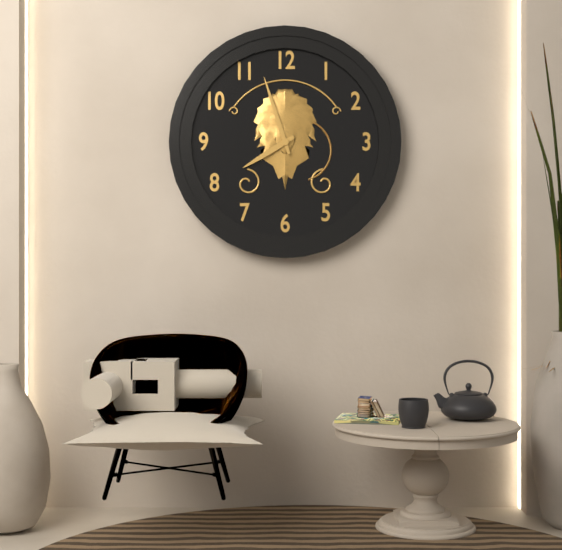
7:57
